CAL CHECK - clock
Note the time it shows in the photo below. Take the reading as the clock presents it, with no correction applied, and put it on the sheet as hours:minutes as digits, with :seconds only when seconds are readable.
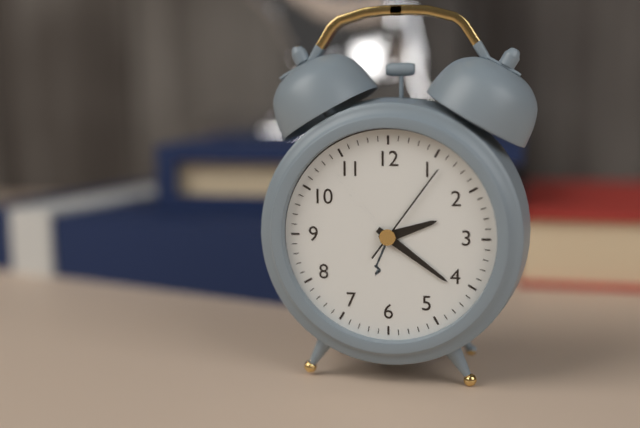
2:21:06
